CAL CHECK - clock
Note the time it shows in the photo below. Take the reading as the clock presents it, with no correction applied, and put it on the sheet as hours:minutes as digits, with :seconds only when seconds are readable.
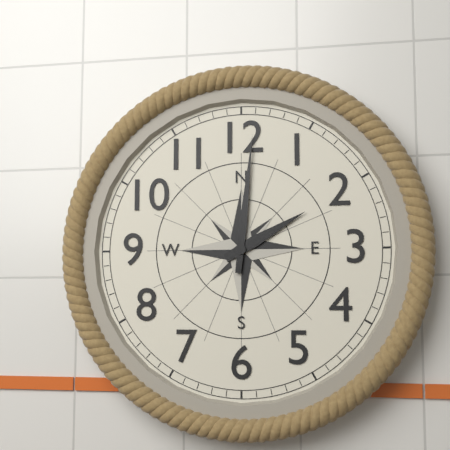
2:01
